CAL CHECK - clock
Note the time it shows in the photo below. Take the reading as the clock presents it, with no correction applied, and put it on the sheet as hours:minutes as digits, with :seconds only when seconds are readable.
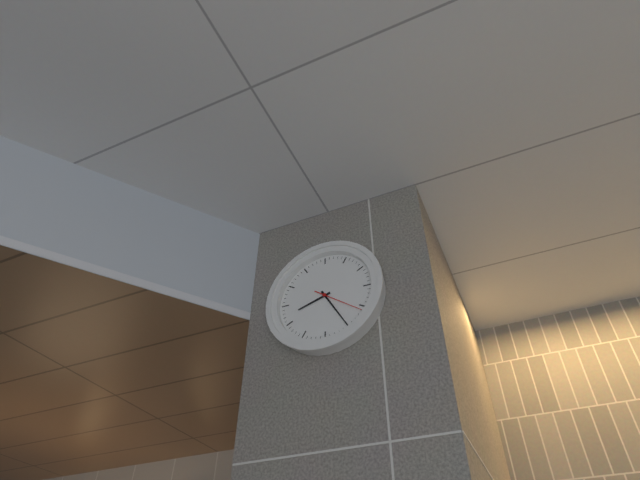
8:25
